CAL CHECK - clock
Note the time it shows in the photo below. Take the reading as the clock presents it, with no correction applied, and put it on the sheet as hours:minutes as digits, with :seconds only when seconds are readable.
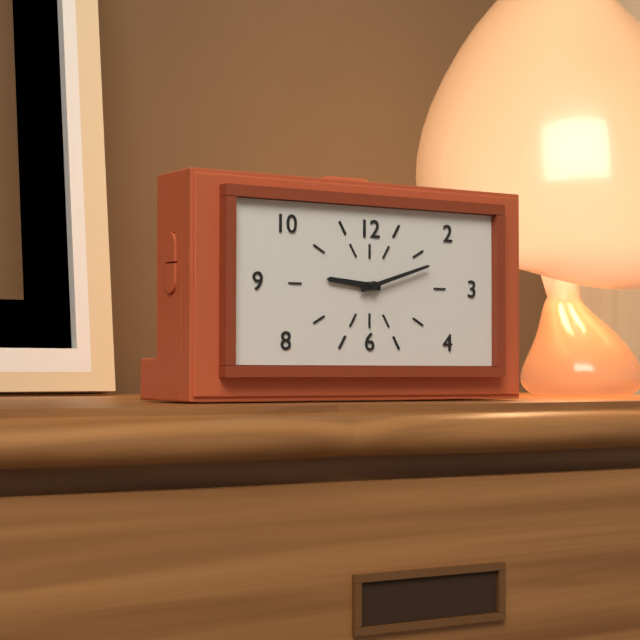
9:12
